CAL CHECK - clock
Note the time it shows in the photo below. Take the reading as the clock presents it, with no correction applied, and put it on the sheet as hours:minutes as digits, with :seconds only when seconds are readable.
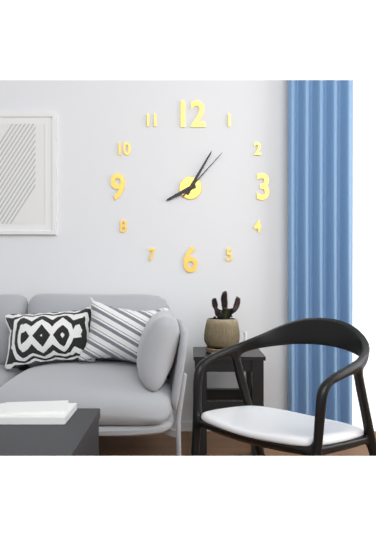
8:05:07
